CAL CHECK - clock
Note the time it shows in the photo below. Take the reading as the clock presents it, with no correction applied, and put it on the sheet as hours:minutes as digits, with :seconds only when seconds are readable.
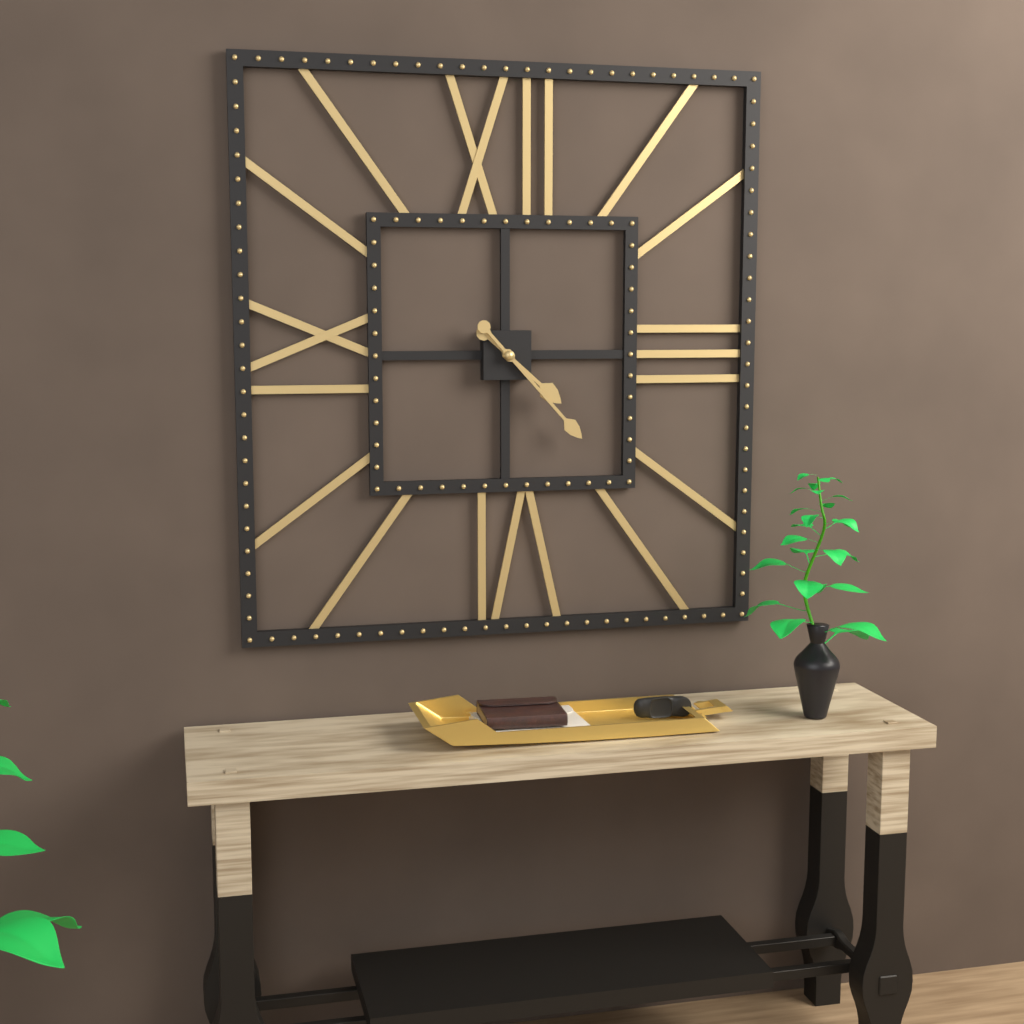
4:23
